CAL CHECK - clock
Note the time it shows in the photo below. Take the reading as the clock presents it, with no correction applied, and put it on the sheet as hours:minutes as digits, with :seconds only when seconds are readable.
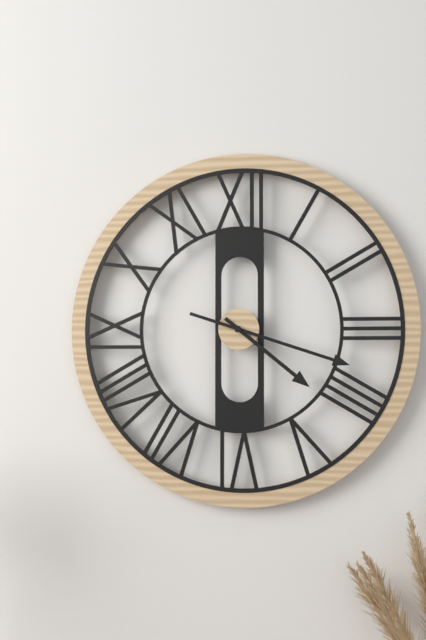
4:18
